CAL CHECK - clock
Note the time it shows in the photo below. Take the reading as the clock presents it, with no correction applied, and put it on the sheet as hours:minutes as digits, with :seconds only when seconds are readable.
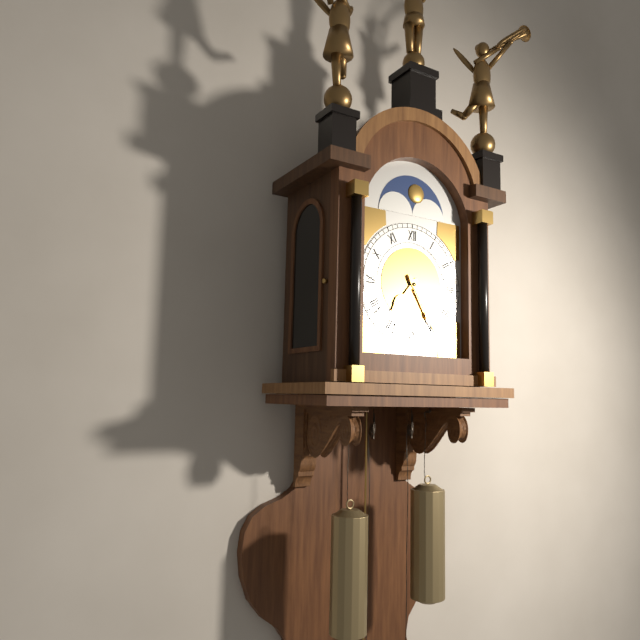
7:25
